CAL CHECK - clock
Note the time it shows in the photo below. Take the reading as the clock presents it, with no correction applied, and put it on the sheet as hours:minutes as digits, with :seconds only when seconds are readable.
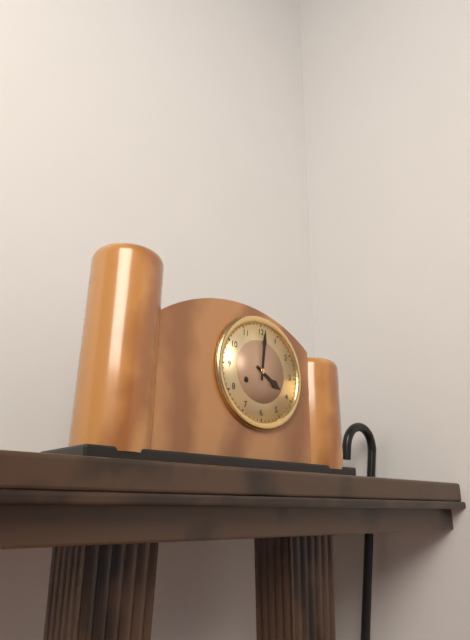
4:01
